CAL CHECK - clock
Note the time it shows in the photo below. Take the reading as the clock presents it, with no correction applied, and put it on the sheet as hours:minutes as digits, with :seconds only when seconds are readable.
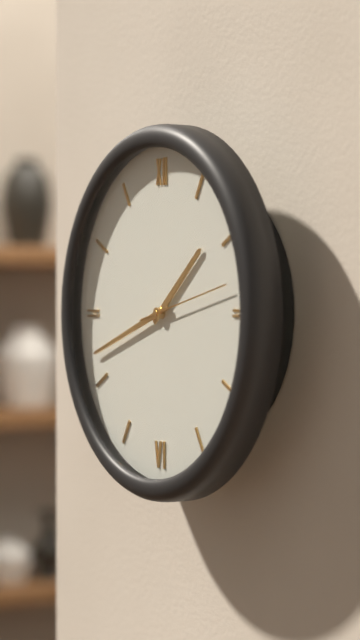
1:42
